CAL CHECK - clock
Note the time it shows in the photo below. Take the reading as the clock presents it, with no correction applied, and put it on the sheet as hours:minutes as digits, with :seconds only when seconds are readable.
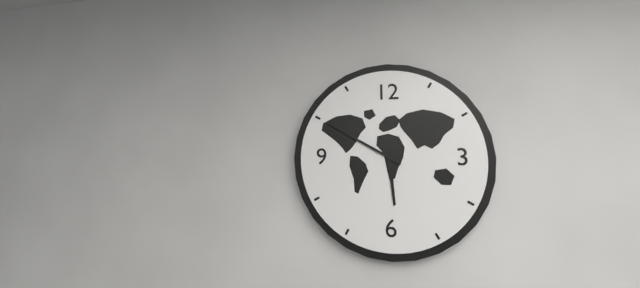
5:50
